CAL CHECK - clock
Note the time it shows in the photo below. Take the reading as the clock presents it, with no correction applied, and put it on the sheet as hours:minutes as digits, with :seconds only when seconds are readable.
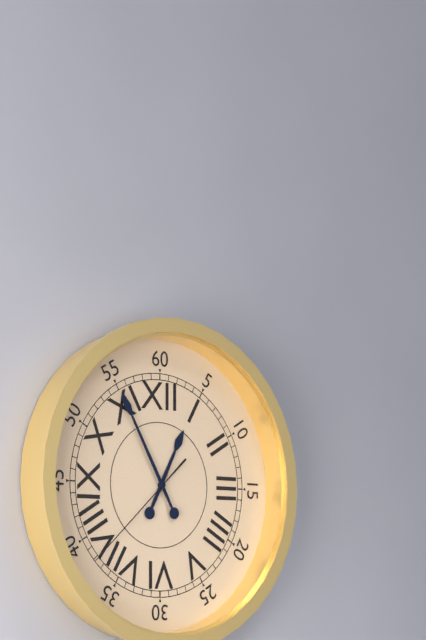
12:55:38
